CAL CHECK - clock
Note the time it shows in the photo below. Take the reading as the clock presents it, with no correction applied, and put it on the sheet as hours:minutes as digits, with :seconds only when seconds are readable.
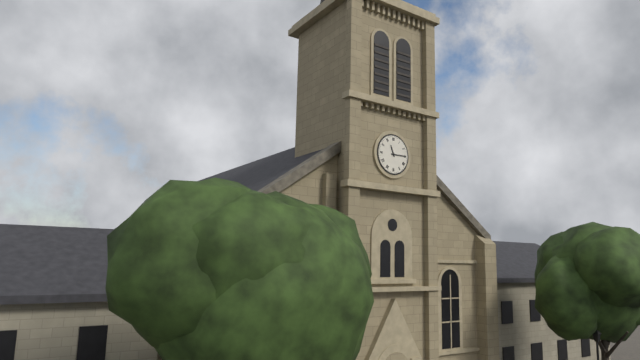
11:15
